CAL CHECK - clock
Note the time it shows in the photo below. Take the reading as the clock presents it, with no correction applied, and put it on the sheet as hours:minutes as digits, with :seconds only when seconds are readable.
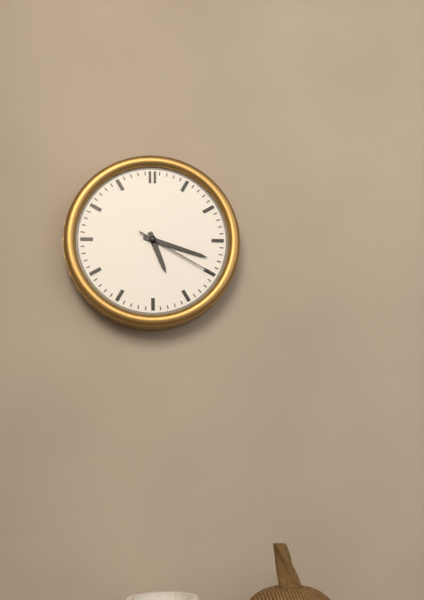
5:18:20
